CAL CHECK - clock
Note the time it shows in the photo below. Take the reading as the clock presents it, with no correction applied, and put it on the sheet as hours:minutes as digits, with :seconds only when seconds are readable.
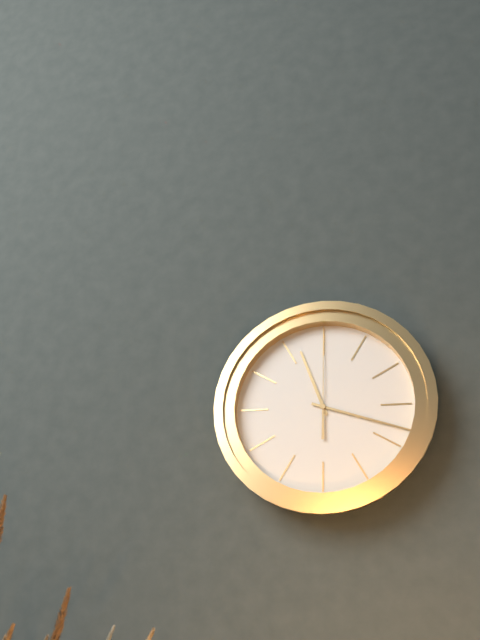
11:18:00
